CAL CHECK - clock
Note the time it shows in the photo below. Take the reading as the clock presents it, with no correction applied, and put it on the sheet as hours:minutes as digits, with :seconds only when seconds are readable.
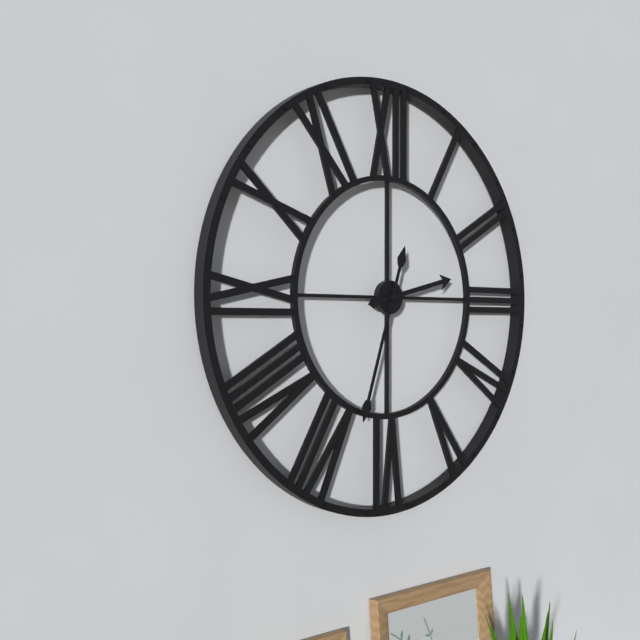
2:33
